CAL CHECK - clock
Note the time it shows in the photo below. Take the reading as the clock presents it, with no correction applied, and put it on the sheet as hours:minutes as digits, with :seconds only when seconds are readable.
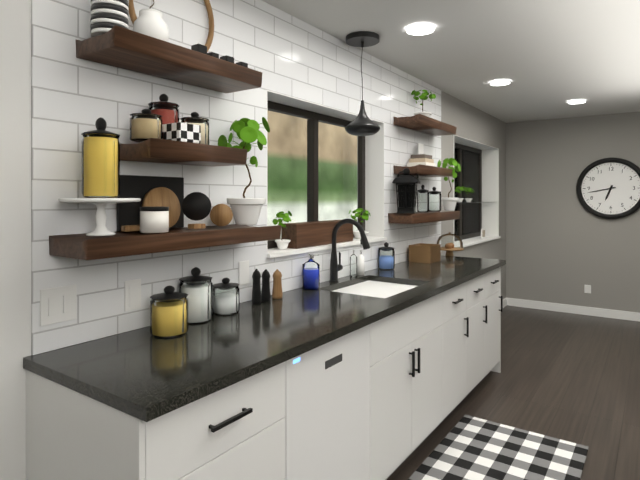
6:43
